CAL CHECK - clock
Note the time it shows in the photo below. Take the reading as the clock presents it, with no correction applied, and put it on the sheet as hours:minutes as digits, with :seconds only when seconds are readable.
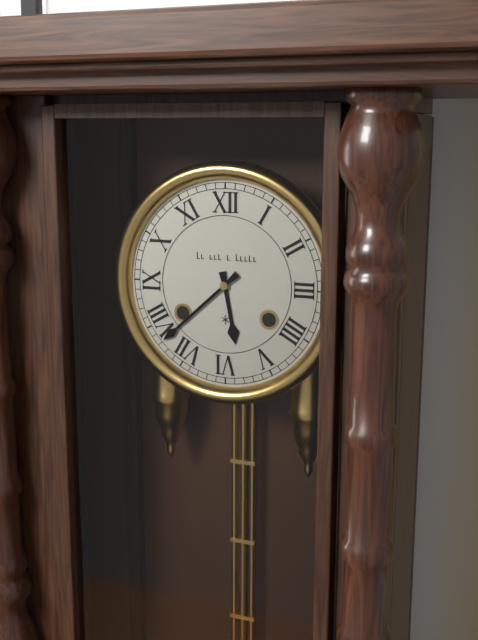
5:38
